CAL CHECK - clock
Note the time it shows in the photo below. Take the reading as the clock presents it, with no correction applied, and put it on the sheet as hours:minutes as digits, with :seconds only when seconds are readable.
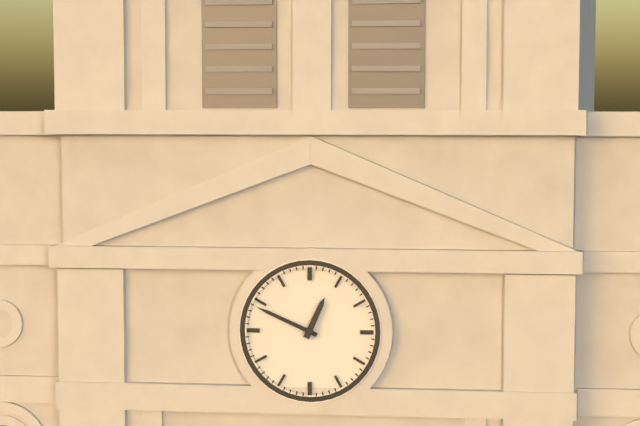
12:49
